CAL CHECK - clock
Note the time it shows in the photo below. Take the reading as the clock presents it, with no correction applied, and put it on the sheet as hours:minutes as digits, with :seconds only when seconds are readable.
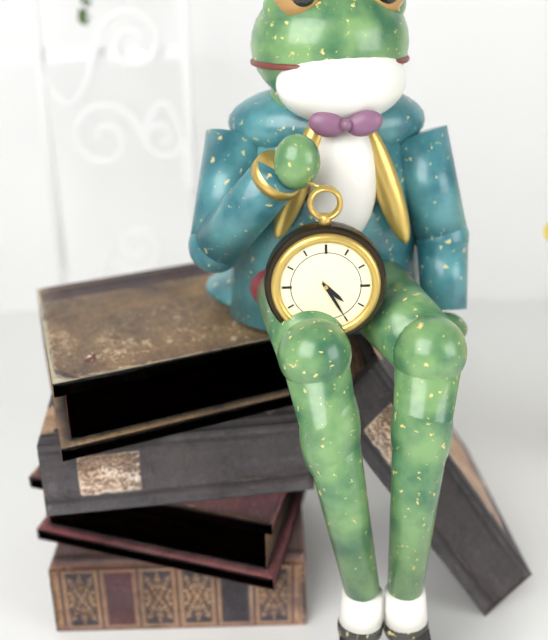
4:25
